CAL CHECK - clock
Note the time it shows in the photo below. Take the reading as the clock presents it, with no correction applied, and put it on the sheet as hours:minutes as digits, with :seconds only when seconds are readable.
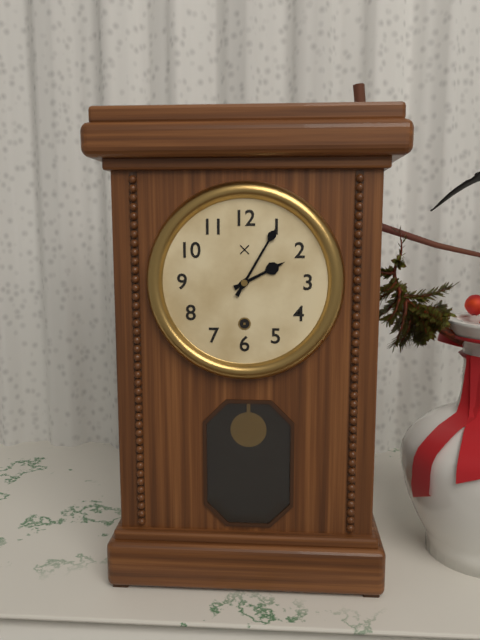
2:05
